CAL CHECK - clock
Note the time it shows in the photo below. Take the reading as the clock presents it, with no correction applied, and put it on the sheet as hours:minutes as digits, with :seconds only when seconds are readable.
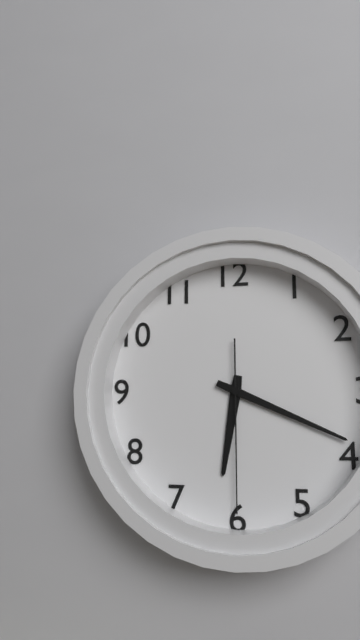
6:19:30
